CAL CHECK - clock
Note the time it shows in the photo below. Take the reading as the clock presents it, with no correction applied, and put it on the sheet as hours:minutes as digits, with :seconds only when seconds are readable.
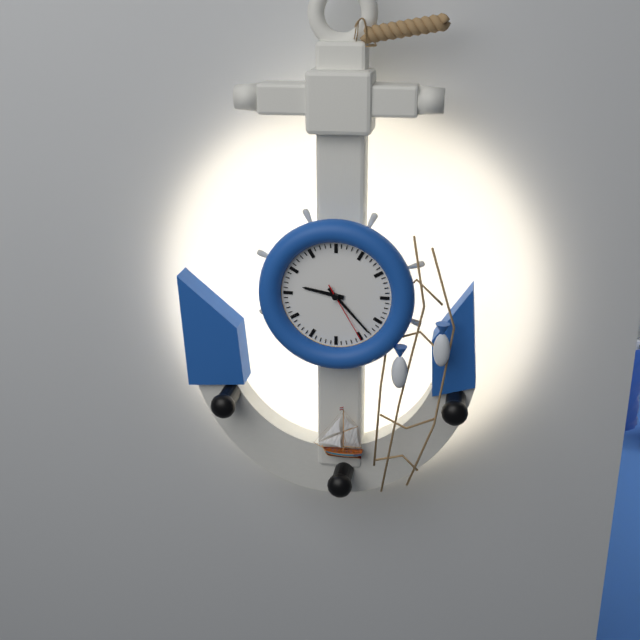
9:23:25
